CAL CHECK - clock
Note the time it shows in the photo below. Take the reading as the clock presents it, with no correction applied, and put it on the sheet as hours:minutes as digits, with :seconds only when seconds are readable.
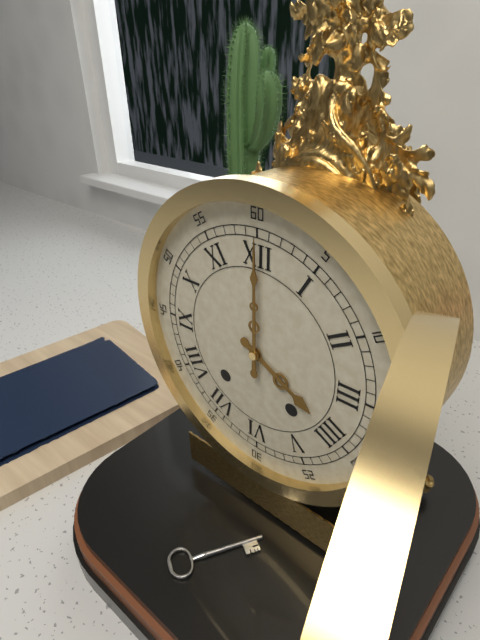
4:00
